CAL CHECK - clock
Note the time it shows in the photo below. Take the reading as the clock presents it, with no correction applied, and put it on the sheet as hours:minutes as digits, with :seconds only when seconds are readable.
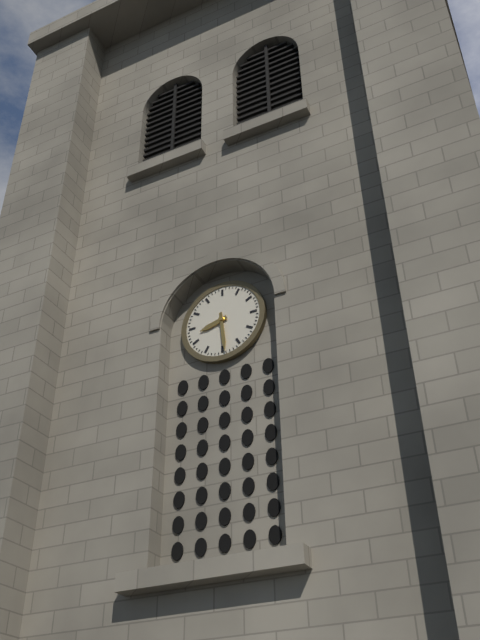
8:29
